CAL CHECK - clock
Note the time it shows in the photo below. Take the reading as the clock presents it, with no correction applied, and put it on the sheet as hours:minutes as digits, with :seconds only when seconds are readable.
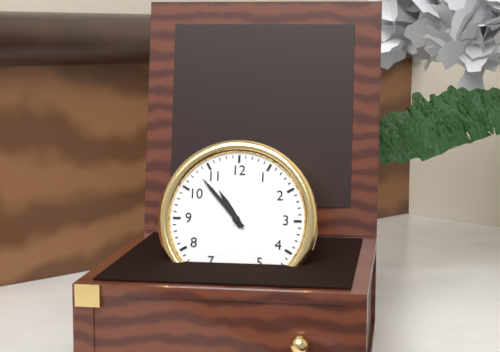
10:53
